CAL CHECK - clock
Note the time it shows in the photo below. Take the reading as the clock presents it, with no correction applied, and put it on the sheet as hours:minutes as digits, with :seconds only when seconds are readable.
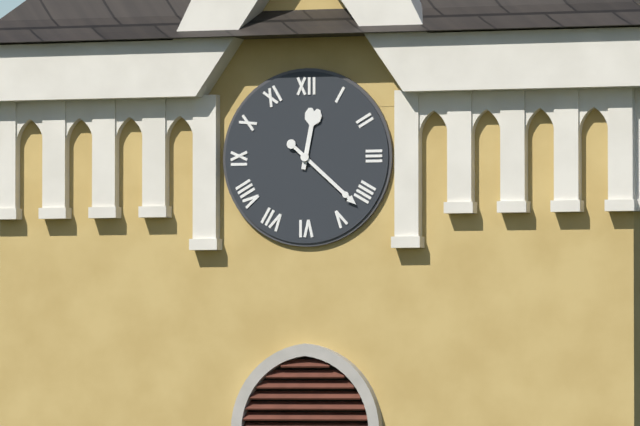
12:22
